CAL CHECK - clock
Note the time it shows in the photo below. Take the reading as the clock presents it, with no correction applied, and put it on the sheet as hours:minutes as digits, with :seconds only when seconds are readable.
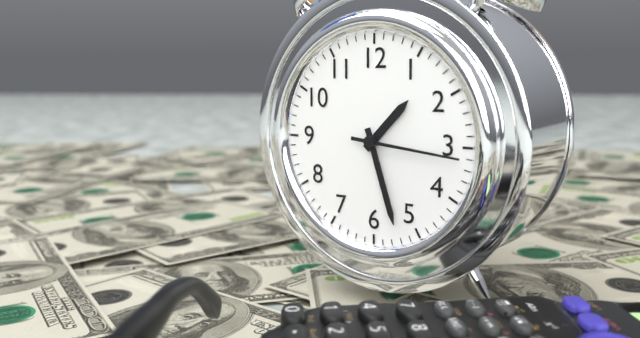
1:27:16
